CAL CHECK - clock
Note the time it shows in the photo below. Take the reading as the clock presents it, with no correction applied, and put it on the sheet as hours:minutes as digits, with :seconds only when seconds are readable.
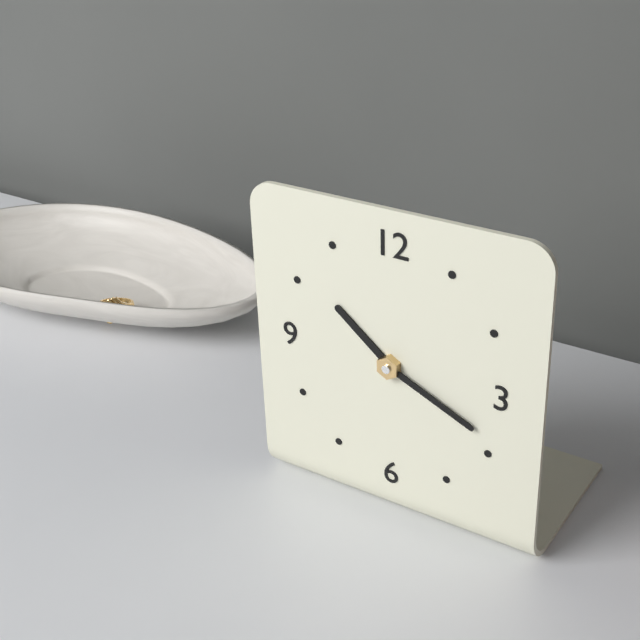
10:19
